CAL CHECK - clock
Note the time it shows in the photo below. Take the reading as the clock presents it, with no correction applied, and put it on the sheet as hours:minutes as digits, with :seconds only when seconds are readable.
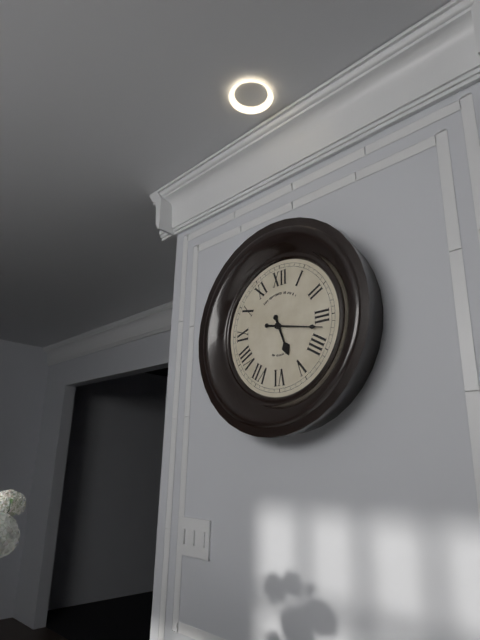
5:17
